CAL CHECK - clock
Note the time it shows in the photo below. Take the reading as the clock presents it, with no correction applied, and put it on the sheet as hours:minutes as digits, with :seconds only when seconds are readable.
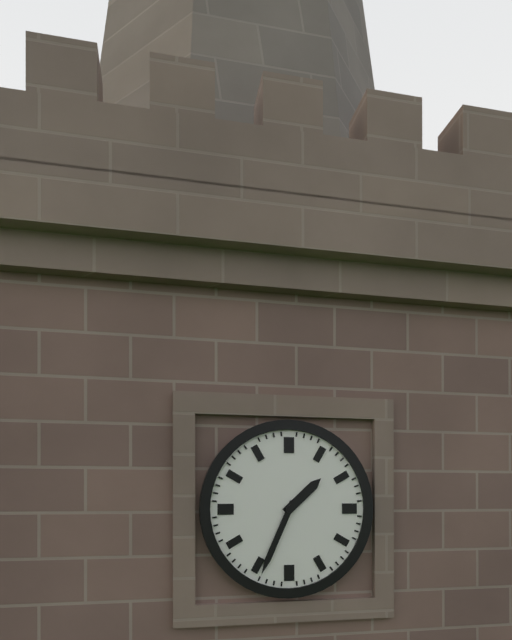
1:34
